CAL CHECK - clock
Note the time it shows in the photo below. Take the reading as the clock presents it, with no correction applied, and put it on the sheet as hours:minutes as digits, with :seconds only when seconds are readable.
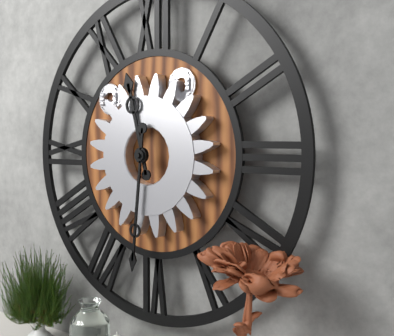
11:31
